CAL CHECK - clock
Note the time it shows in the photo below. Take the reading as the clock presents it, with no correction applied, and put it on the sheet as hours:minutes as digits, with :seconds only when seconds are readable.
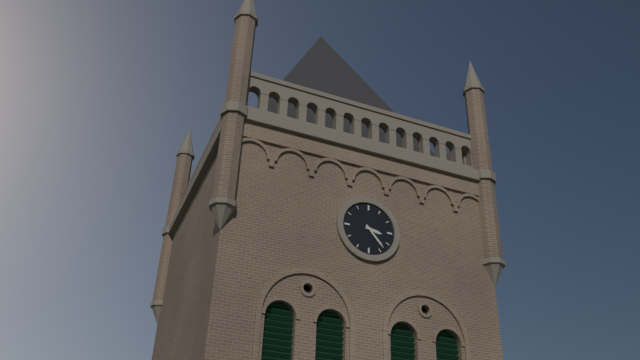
3:23
